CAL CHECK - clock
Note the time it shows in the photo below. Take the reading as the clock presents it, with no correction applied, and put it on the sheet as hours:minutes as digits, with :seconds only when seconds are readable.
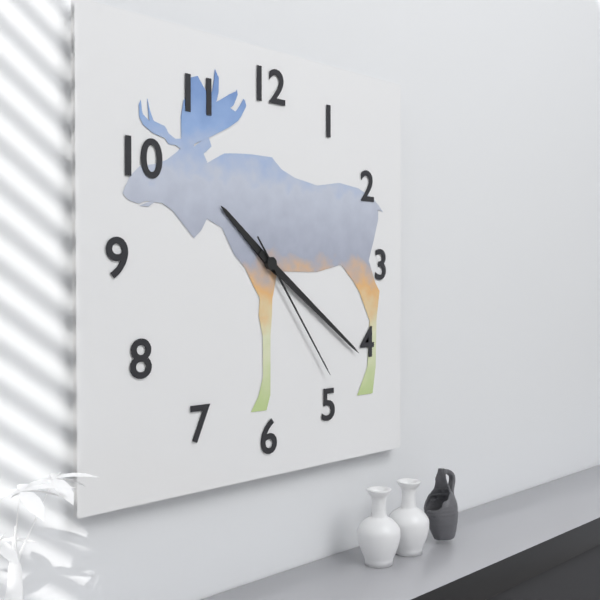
10:21:24
